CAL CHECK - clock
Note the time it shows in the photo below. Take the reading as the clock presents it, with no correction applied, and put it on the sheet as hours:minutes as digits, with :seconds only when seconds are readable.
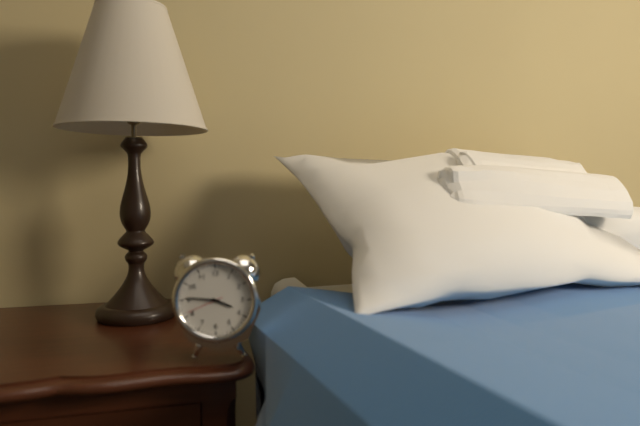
3:46
